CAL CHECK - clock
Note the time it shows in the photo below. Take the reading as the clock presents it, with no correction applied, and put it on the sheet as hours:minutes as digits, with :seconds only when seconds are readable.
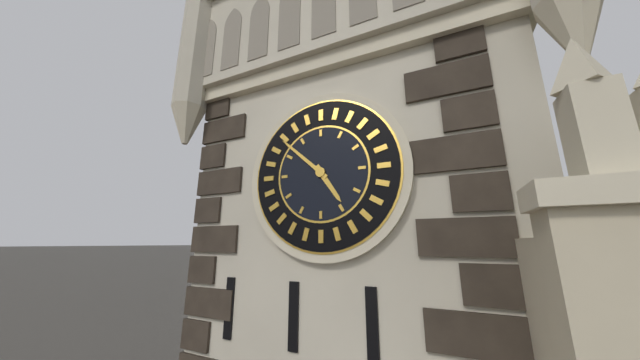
4:52
